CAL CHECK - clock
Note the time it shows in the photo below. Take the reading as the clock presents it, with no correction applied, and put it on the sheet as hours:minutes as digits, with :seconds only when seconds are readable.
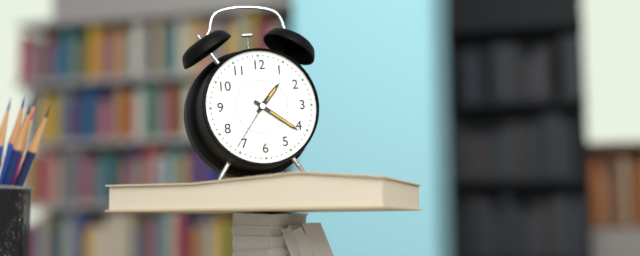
1:21:36
